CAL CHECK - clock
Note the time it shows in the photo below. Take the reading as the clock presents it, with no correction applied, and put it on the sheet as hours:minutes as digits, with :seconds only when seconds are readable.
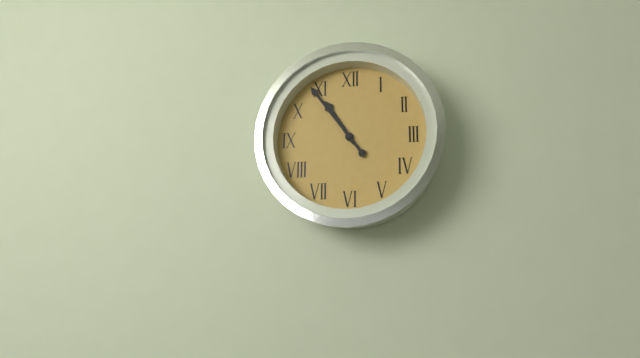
10:54
